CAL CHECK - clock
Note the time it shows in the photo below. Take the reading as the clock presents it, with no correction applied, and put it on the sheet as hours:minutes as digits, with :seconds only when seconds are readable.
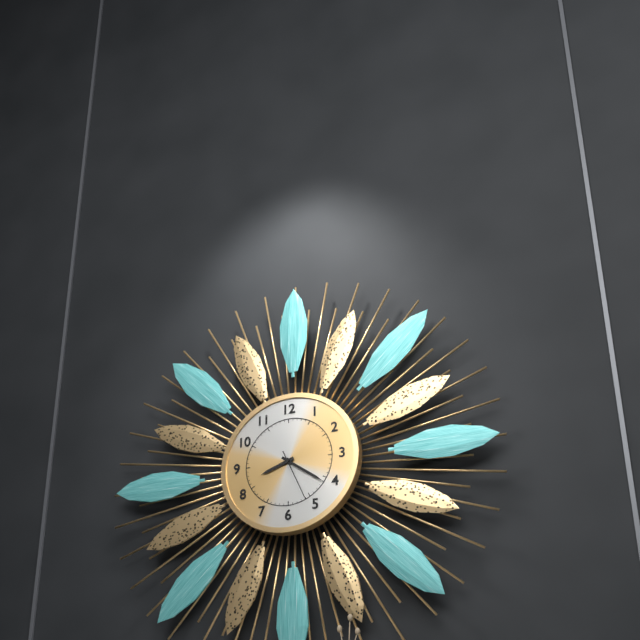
8:21
